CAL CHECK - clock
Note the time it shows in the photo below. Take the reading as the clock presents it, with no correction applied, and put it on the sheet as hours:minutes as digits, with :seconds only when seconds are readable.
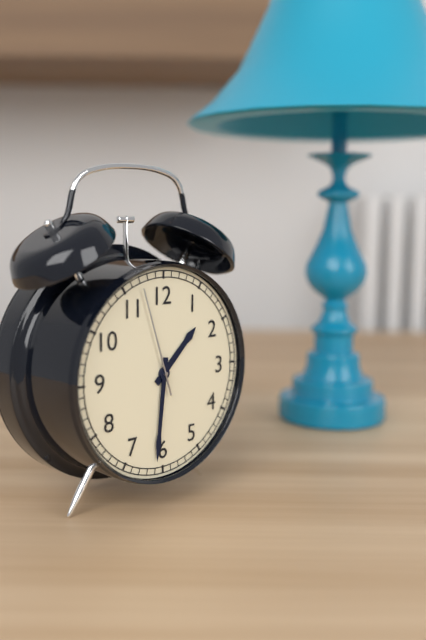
1:31:57
